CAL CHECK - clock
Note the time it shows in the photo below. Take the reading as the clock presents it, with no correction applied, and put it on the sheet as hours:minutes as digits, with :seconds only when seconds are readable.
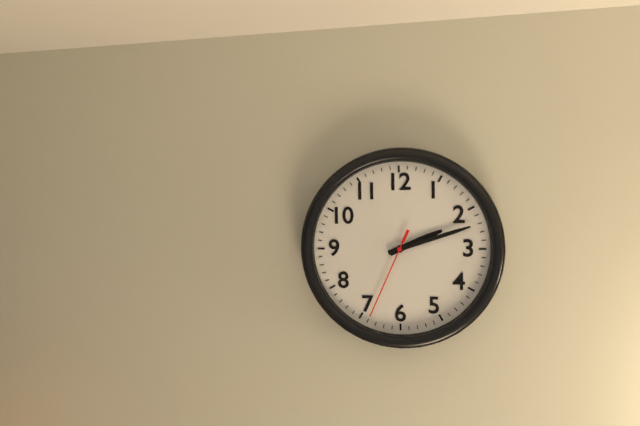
2:12:34
